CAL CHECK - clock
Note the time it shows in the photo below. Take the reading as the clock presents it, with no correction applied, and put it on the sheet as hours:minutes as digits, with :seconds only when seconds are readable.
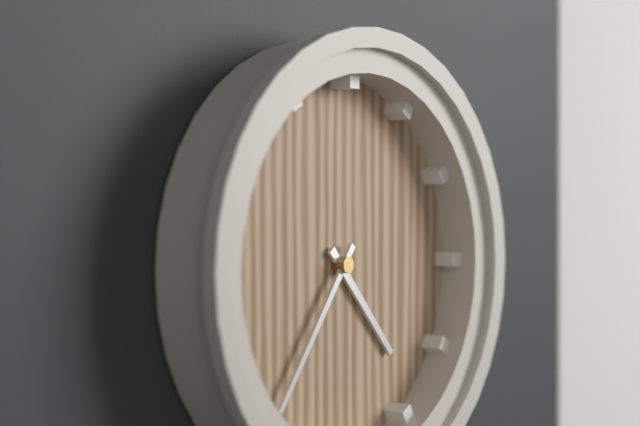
4:36
